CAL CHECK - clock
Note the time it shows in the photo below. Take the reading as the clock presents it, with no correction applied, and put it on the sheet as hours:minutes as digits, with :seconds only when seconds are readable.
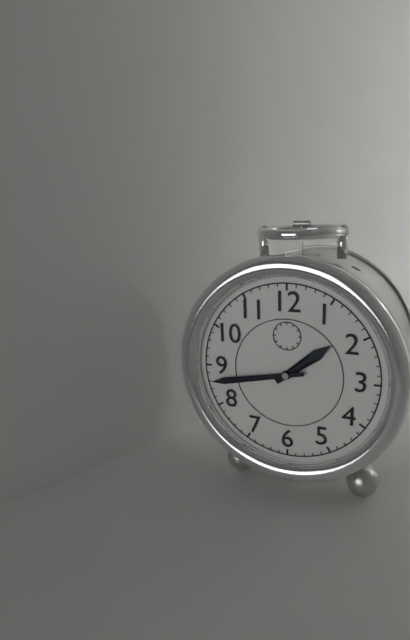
1:43
